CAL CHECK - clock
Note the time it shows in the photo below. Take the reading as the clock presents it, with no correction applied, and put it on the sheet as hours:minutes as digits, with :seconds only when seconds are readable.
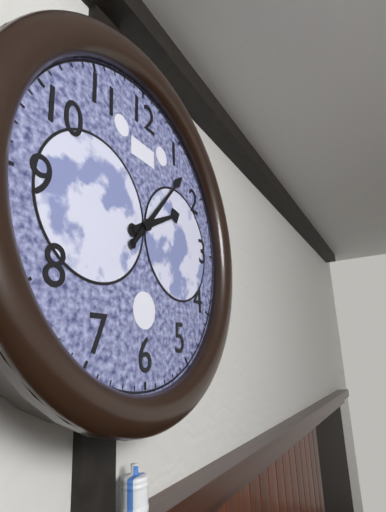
2:07
